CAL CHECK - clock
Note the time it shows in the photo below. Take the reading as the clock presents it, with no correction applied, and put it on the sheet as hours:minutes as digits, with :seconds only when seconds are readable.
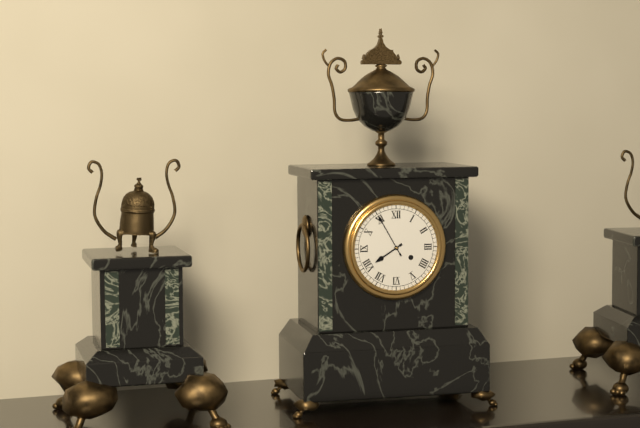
7:55
